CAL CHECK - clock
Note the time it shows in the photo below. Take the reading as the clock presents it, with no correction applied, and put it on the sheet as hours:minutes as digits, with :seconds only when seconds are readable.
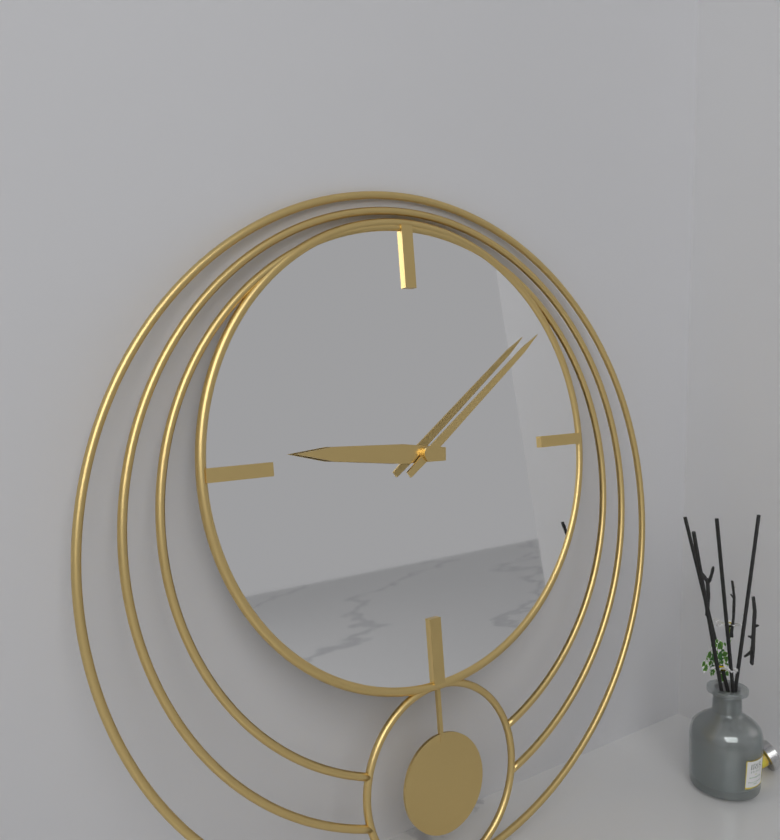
9:09
